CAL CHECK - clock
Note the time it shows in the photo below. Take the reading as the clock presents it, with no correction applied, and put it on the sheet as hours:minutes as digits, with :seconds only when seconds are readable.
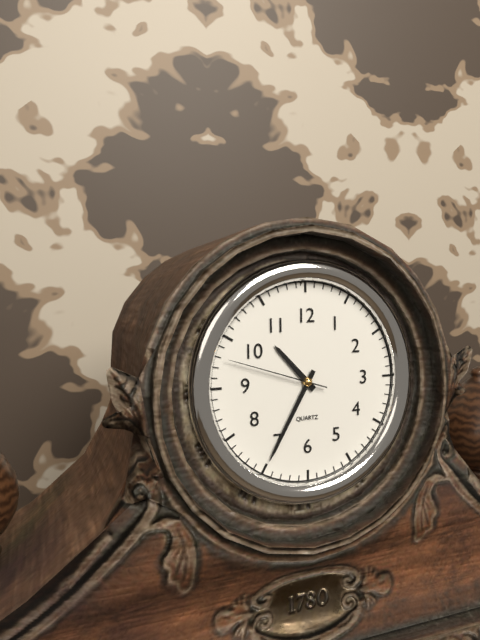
10:35:48
